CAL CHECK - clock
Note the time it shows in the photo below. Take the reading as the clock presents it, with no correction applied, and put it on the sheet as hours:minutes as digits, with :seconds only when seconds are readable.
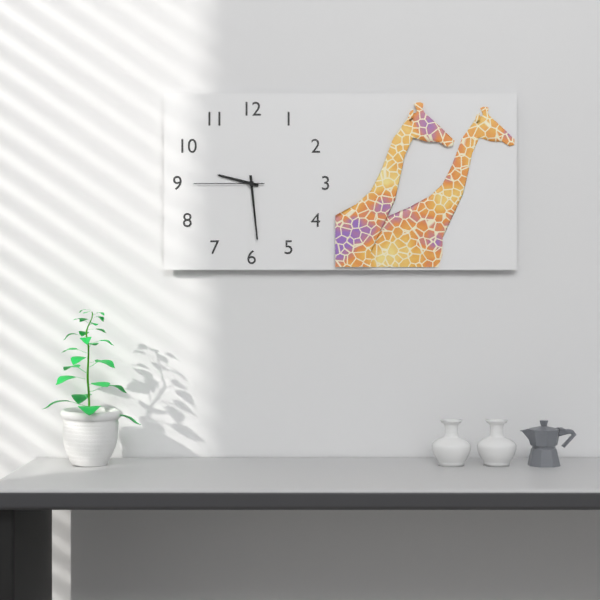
9:29:45
